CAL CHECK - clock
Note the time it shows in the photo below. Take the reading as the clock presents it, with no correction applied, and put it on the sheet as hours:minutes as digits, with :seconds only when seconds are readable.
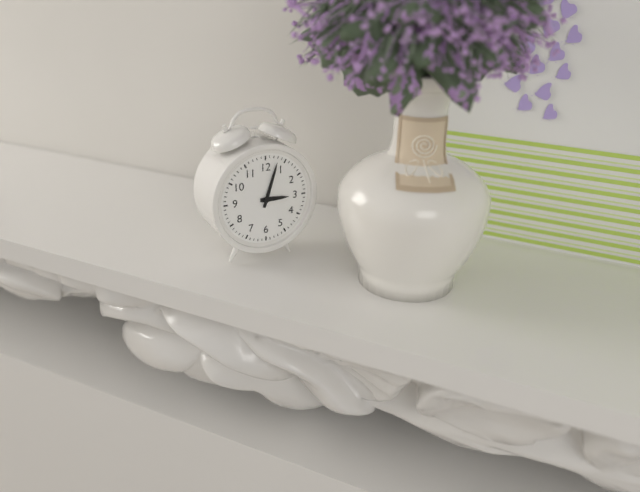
3:03
